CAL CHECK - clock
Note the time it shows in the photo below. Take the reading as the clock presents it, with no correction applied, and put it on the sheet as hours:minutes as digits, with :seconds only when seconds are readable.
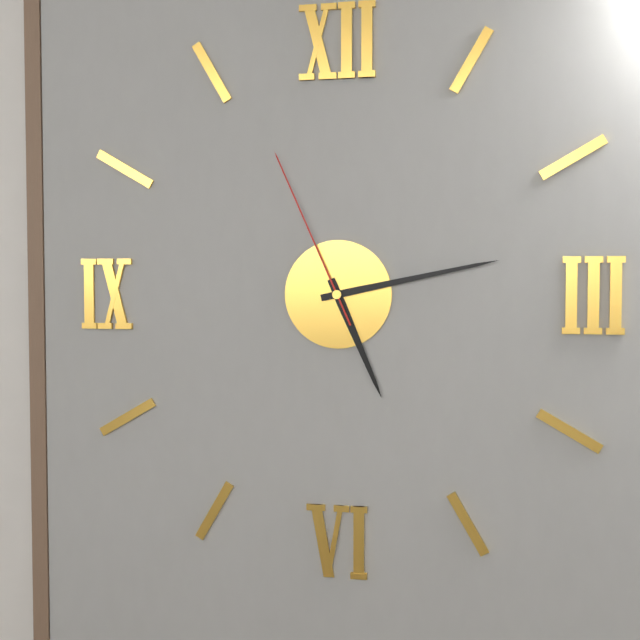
5:13:56
